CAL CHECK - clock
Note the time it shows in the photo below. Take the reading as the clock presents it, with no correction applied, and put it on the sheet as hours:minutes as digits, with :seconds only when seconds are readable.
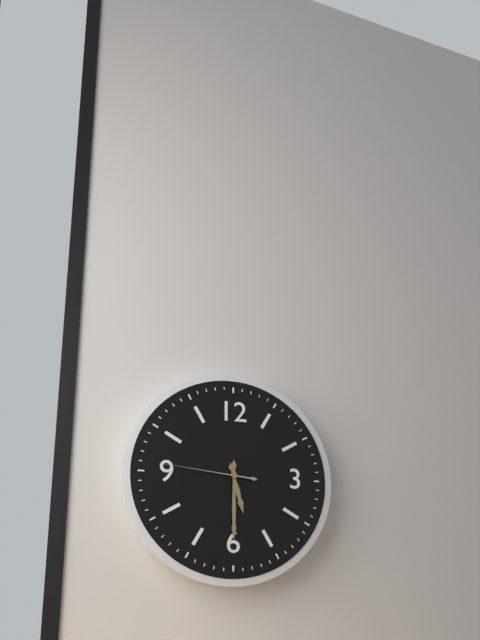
5:30:46
